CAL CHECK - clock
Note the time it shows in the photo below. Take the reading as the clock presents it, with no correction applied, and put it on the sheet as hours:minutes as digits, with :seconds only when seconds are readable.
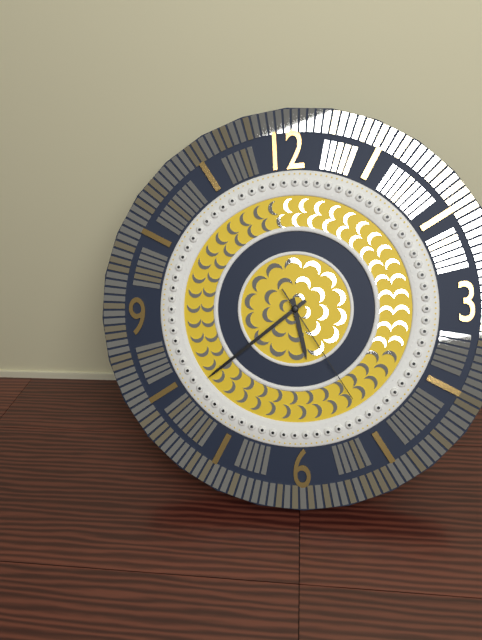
5:39:25
